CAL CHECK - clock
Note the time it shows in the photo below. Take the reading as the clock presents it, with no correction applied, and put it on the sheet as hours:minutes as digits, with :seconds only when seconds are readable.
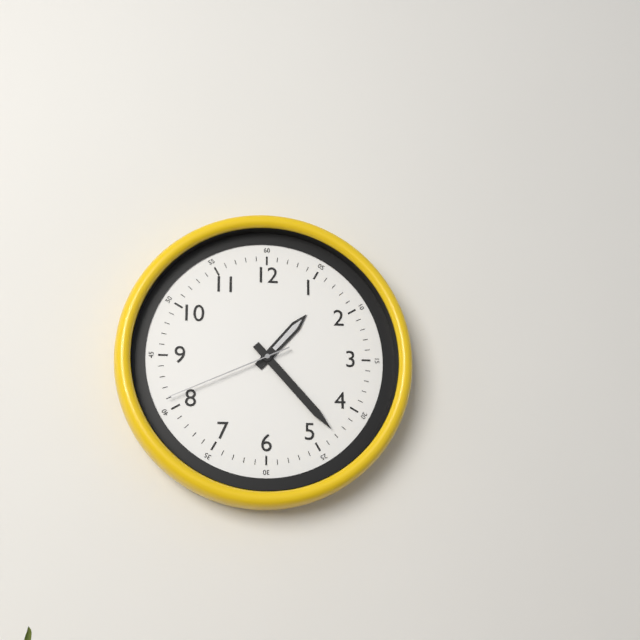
1:23:41
